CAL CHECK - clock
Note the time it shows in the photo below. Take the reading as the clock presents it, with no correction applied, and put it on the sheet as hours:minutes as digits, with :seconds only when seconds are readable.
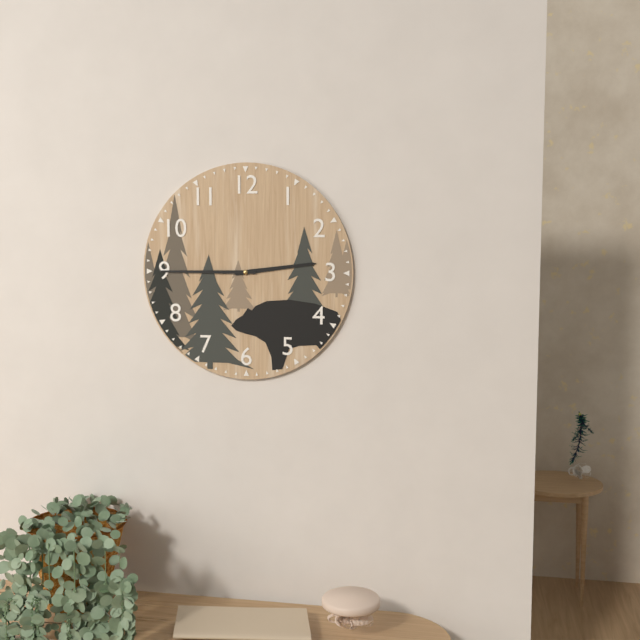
2:45
